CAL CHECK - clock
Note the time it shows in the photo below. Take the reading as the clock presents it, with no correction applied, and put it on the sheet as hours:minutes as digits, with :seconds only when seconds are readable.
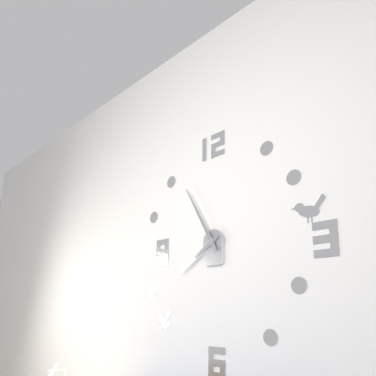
7:55
